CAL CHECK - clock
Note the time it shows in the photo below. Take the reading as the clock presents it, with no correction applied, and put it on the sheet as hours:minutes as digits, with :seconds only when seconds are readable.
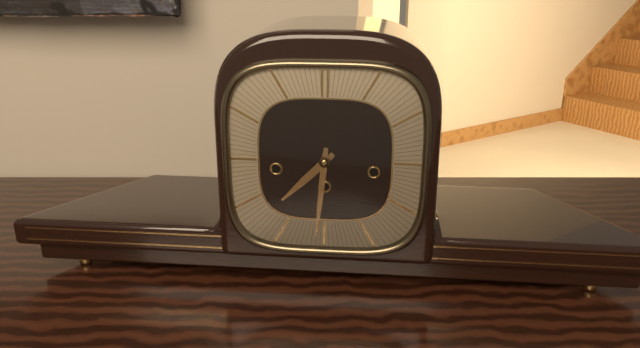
7:31
